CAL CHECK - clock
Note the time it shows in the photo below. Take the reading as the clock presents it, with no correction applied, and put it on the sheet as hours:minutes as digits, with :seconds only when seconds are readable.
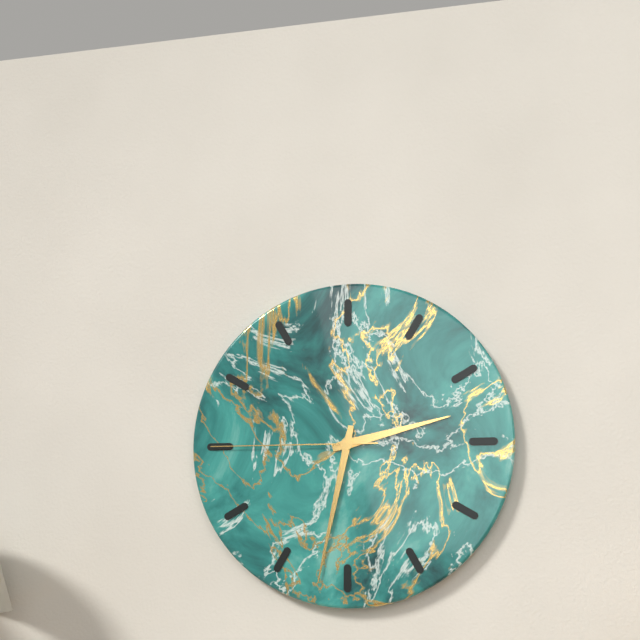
2:32:45
